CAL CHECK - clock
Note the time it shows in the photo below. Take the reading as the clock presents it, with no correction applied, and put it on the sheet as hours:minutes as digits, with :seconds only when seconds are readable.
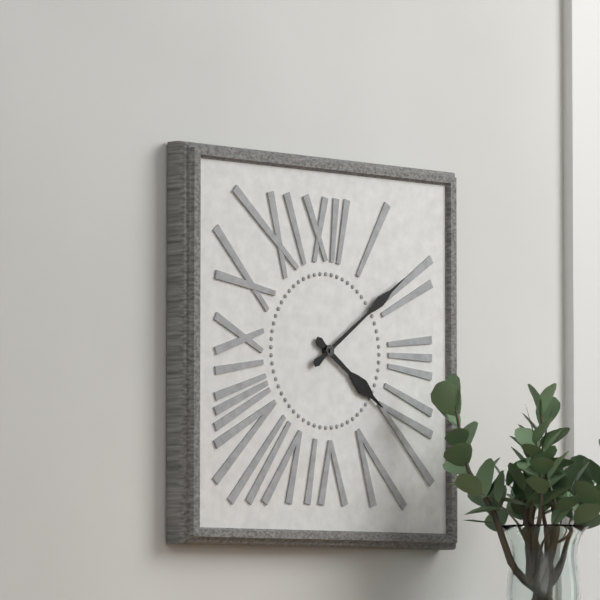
4:09
